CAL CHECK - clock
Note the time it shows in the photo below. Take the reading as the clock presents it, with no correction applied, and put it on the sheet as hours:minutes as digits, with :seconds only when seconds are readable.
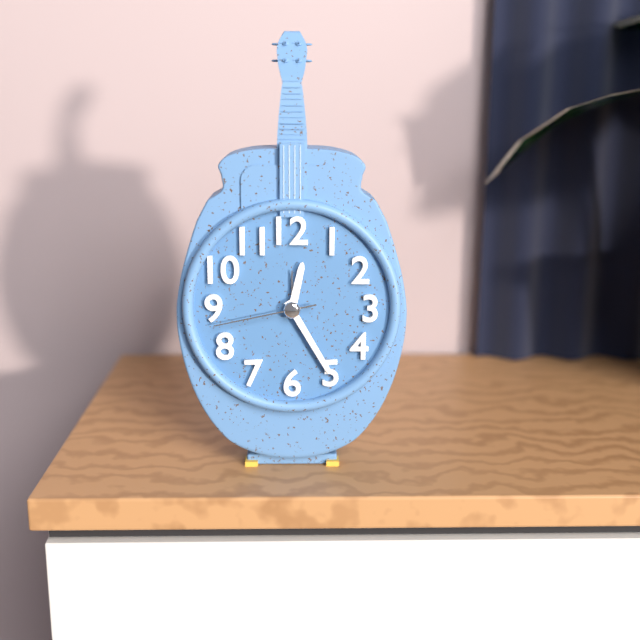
12:25:43
